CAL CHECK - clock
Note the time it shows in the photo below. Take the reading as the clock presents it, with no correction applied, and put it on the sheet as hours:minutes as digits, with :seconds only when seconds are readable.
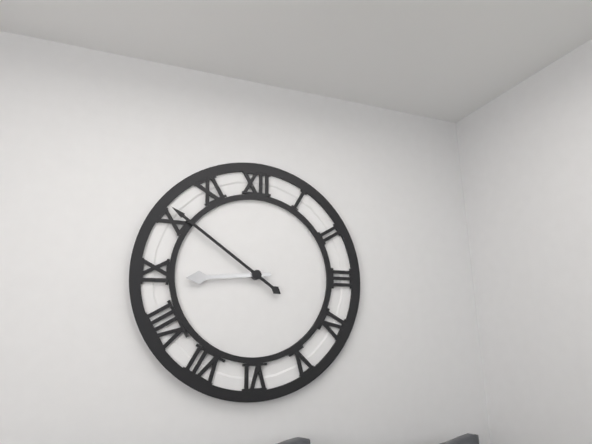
8:51
